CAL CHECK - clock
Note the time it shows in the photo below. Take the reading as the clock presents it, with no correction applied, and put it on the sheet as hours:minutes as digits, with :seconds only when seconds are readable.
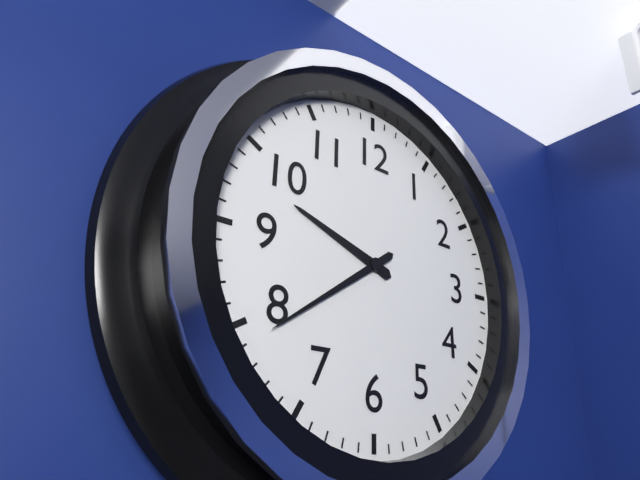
9:39
